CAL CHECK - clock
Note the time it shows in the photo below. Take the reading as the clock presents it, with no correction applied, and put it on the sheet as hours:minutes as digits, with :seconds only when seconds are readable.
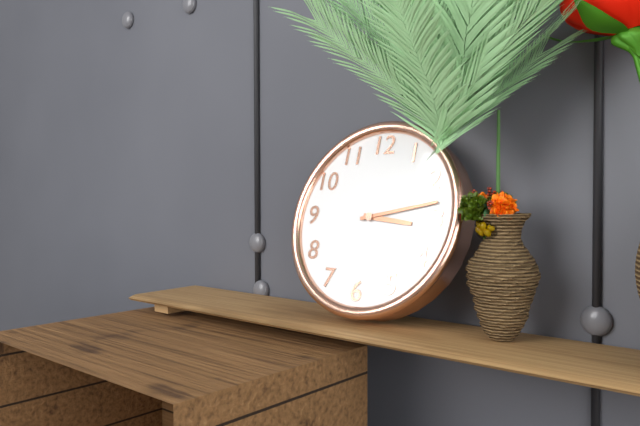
3:13
